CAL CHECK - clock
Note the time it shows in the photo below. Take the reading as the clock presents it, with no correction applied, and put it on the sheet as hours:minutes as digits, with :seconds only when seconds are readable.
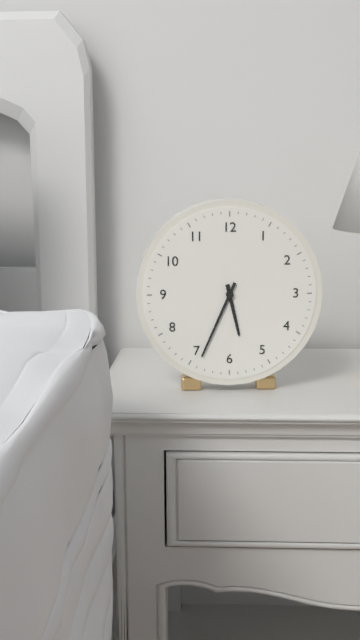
5:34
